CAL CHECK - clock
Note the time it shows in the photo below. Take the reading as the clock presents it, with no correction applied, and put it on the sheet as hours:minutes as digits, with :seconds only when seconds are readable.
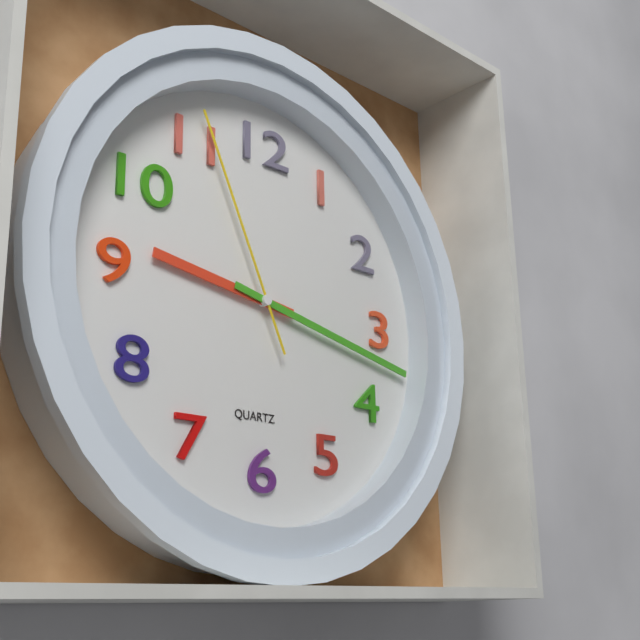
9:17:56
